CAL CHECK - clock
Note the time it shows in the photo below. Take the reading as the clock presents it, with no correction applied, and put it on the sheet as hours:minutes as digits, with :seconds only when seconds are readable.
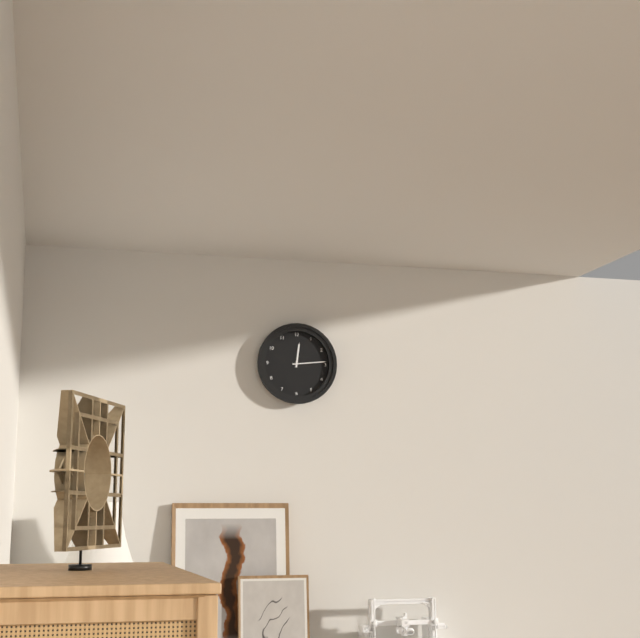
12:14
